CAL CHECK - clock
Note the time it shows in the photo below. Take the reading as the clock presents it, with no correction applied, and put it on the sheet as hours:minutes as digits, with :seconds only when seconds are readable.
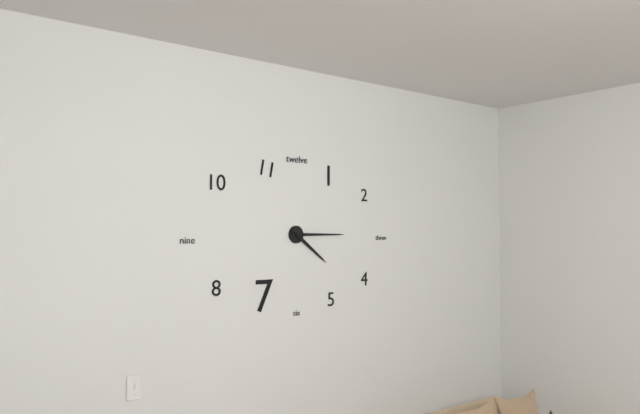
4:15
